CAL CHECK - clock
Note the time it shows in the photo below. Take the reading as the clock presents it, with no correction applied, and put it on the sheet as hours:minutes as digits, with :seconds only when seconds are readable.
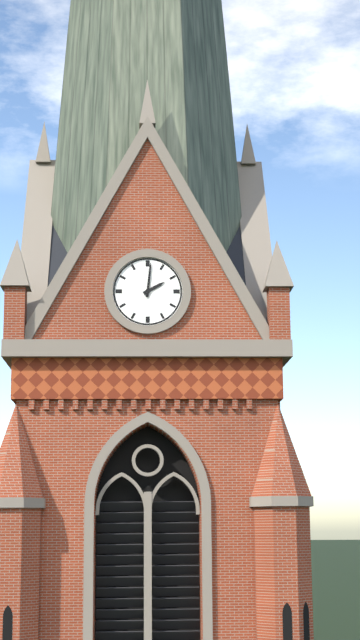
2:01
